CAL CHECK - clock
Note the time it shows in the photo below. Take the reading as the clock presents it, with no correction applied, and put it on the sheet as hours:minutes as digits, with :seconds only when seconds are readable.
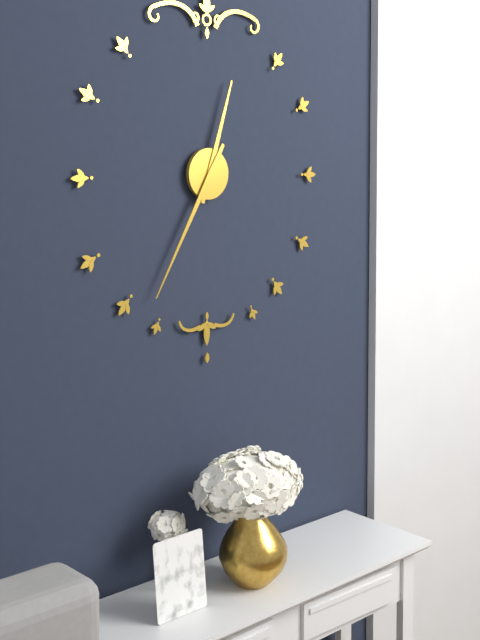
12:35
